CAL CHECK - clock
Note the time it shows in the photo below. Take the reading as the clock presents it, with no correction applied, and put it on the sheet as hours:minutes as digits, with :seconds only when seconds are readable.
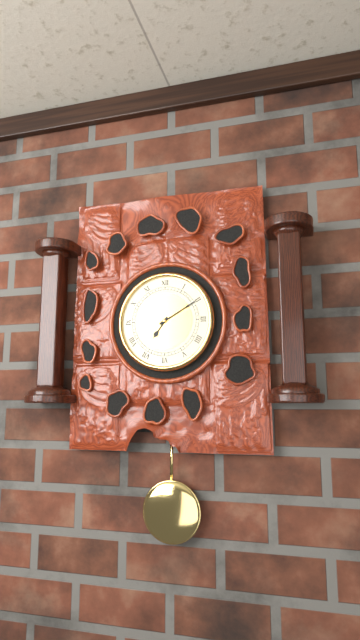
7:10
